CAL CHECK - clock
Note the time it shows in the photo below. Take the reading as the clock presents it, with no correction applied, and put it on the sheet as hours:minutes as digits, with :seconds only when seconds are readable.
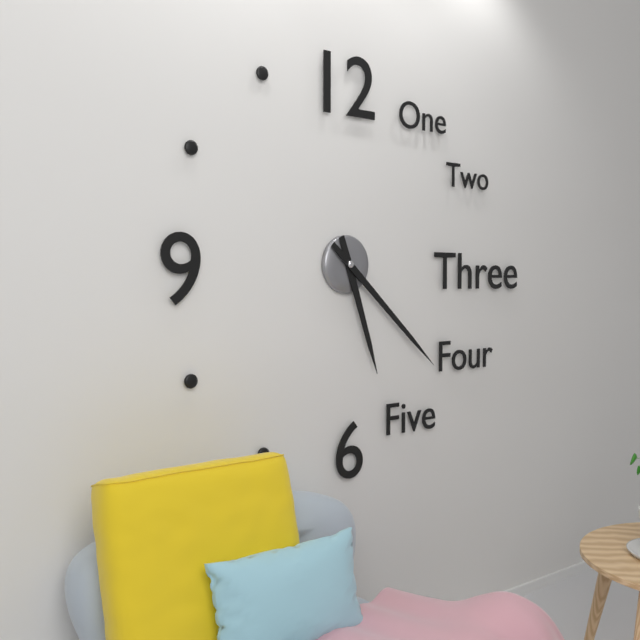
5:22
